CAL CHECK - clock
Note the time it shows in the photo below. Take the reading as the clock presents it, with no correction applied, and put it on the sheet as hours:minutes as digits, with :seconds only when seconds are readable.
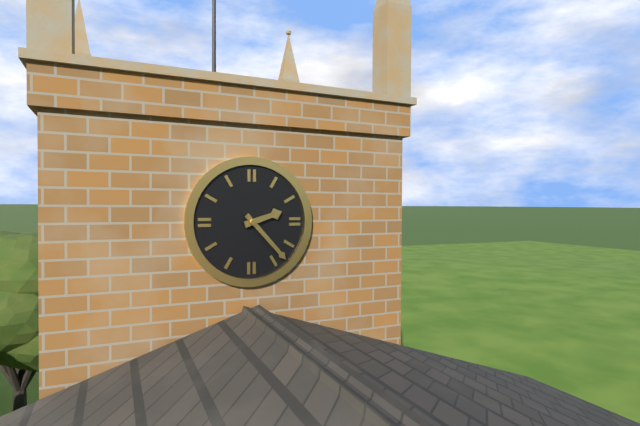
2:23
